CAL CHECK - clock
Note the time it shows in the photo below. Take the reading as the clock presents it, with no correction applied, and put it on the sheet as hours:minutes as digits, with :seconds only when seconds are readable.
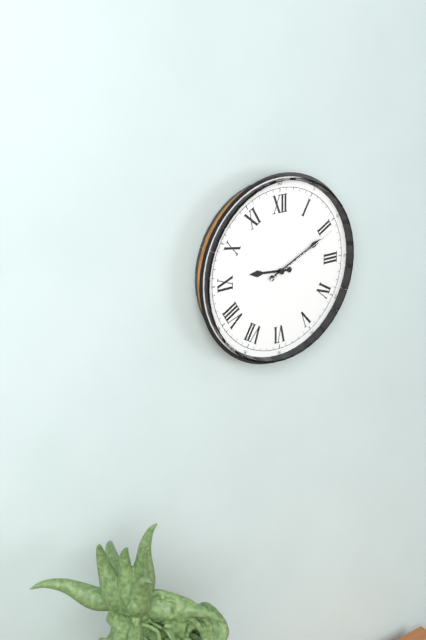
9:11:11
